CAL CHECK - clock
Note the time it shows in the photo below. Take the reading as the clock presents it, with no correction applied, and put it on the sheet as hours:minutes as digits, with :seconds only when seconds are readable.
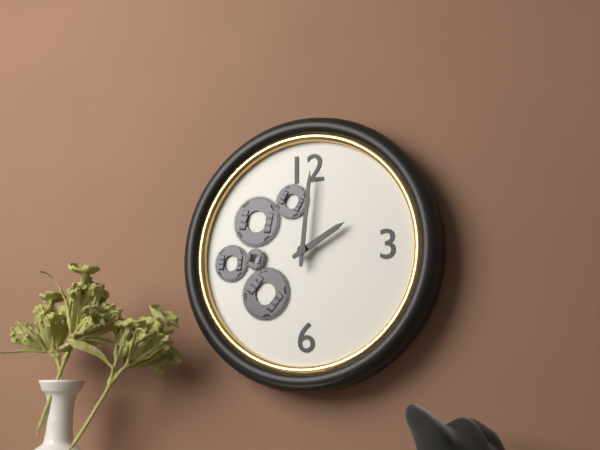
2:01
